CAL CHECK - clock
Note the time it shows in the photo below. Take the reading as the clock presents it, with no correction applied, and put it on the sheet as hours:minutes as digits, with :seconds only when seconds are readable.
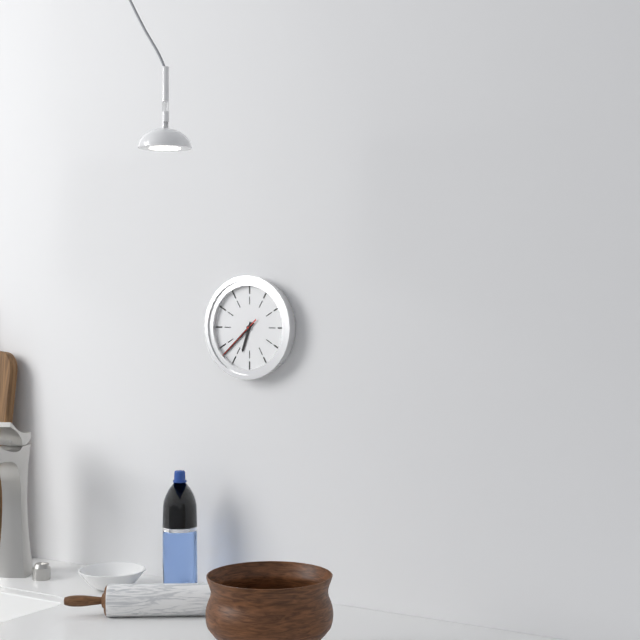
6:38
